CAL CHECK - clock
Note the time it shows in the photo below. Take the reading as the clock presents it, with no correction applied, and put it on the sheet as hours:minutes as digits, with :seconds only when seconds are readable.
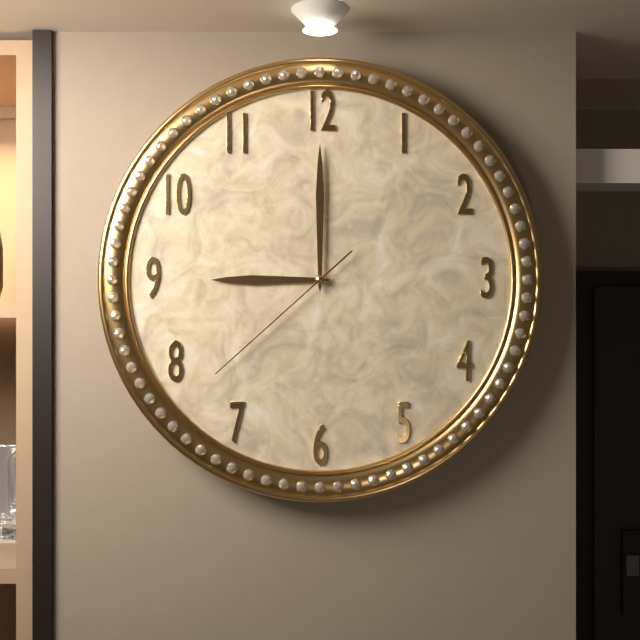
9:00:38
